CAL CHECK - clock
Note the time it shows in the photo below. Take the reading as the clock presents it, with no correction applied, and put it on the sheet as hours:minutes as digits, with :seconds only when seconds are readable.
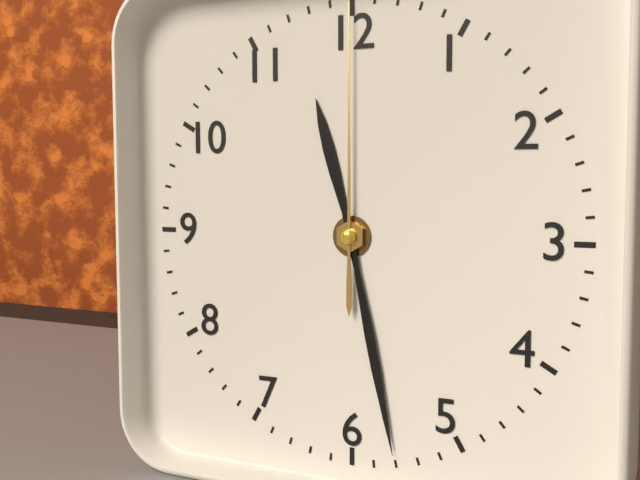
11:28:00
